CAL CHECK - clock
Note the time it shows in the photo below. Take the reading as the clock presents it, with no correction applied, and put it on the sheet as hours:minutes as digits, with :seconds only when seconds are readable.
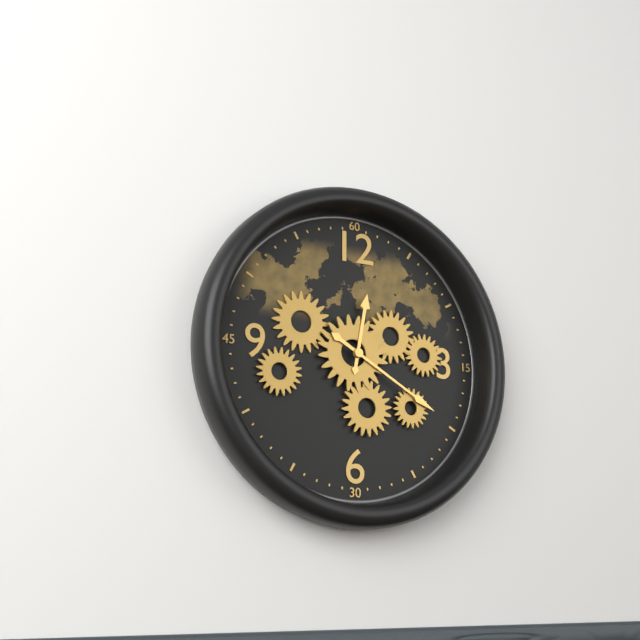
12:20
